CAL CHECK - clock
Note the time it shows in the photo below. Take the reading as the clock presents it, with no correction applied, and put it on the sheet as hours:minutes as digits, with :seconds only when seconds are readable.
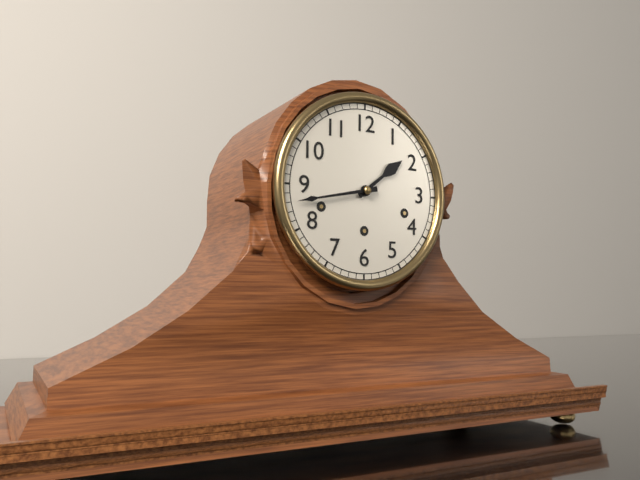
1:43
